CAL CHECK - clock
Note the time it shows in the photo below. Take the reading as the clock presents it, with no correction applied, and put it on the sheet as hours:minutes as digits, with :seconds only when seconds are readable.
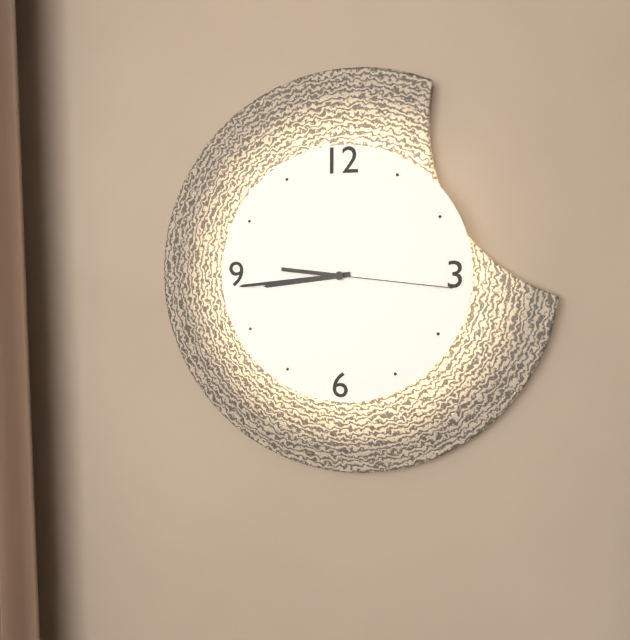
8:44:16
